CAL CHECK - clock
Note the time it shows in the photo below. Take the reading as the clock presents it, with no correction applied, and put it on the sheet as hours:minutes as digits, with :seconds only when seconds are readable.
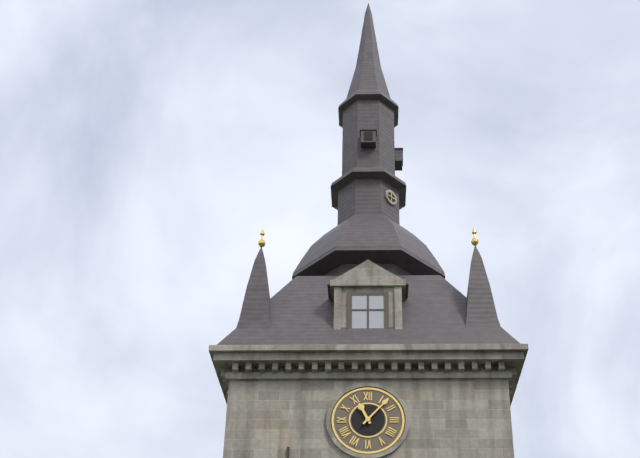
11:07
